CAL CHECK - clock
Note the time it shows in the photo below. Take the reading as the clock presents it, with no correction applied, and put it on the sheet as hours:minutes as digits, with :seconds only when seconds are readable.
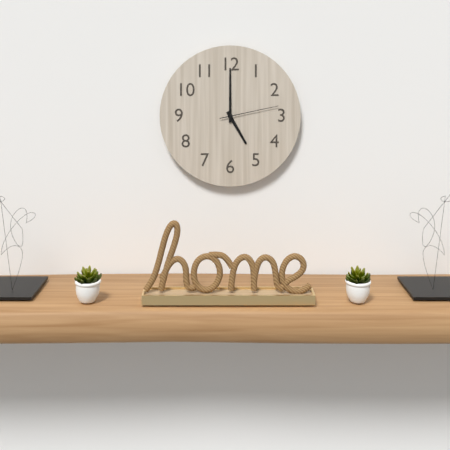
5:00:13
